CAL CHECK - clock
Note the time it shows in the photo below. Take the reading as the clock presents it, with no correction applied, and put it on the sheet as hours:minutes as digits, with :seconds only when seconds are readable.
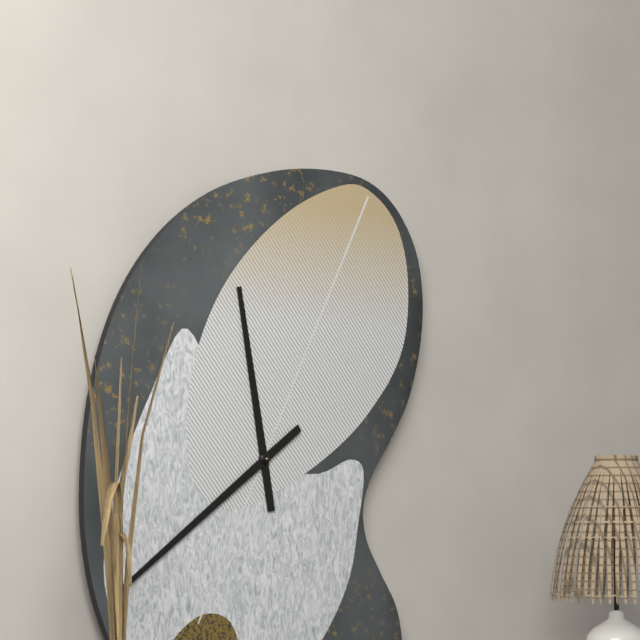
11:39
